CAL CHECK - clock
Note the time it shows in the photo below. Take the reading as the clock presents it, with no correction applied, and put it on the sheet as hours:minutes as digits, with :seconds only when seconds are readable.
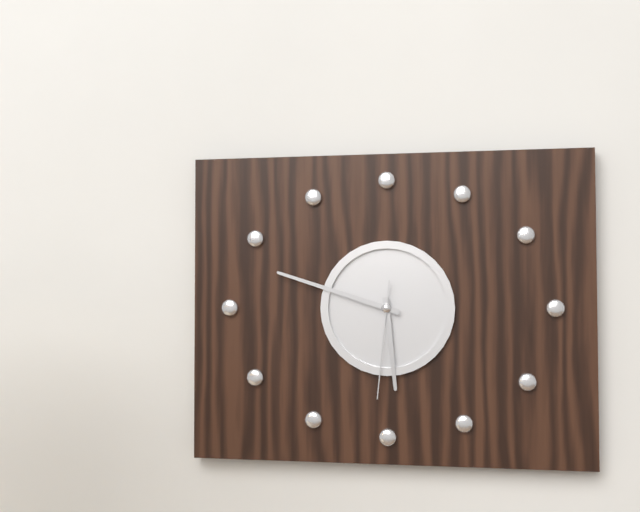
5:48:31
